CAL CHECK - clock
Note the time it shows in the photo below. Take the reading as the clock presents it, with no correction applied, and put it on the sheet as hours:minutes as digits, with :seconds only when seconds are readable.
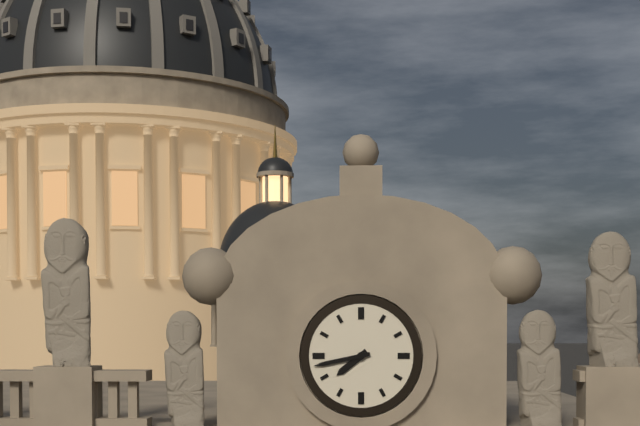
7:43
